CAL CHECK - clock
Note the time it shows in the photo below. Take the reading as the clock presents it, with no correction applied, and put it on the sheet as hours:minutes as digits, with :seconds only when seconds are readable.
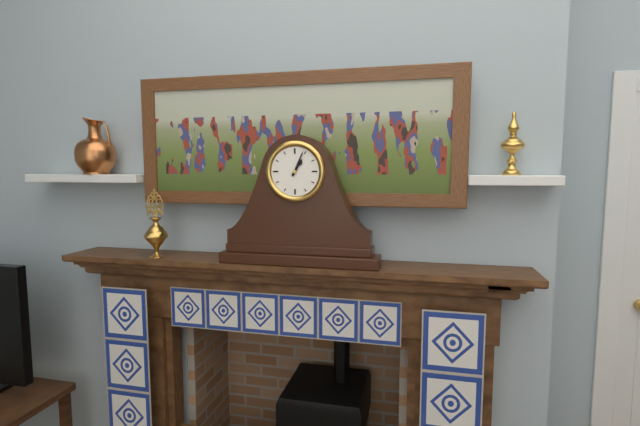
1:04
